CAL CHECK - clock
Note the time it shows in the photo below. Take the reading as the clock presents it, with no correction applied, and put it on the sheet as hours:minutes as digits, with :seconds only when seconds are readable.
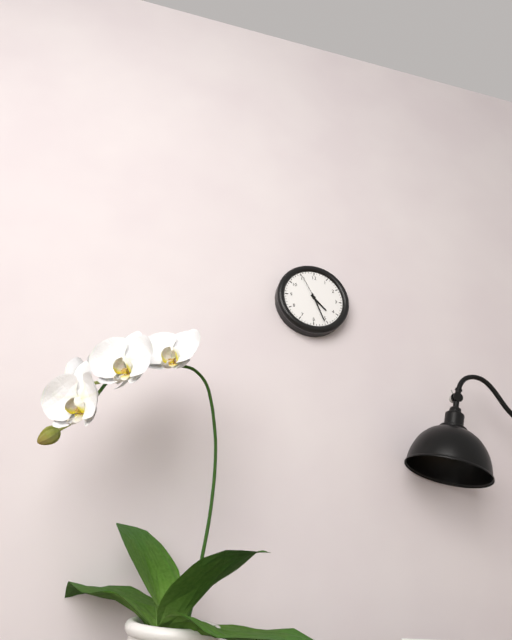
4:26
